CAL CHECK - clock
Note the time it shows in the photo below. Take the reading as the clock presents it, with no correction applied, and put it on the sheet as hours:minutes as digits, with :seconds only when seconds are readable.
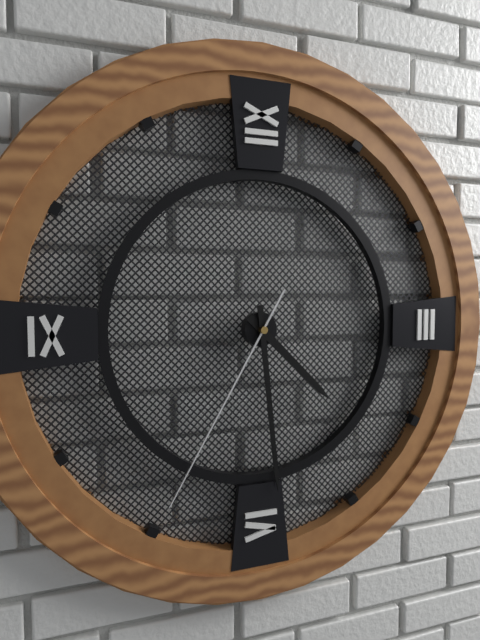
4:29:35
